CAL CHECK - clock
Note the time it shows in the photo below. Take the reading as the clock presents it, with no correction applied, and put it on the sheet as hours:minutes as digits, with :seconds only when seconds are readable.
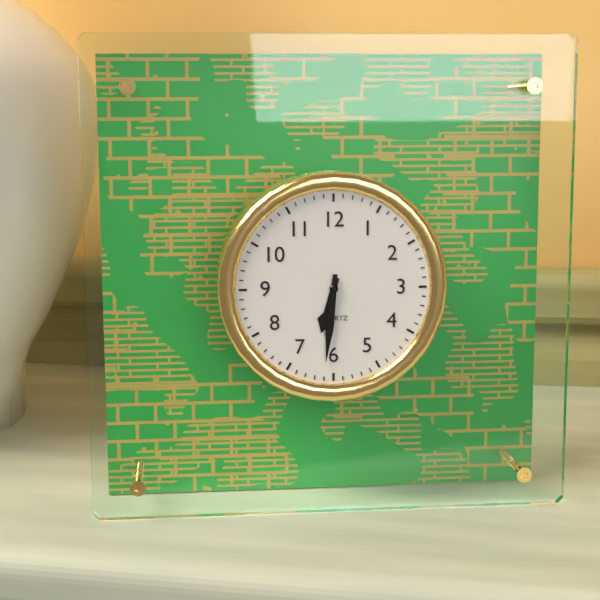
6:31
